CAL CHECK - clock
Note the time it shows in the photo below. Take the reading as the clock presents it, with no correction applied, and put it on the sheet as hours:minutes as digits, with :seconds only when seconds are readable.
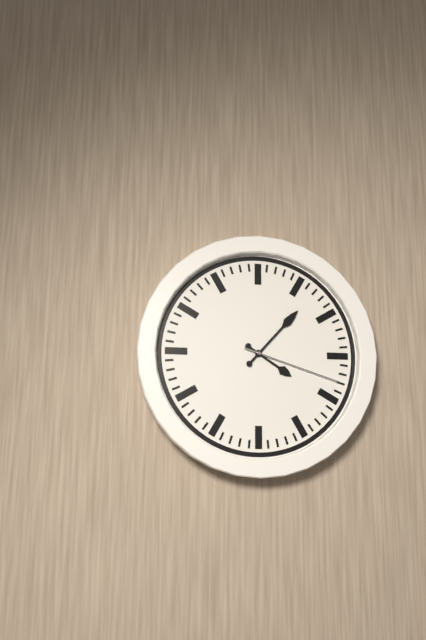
4:07:18
